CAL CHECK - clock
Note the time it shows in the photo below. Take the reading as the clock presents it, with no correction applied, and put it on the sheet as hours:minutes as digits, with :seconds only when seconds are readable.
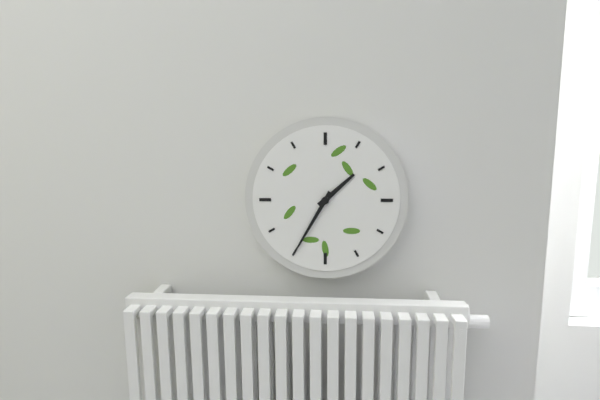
1:35
